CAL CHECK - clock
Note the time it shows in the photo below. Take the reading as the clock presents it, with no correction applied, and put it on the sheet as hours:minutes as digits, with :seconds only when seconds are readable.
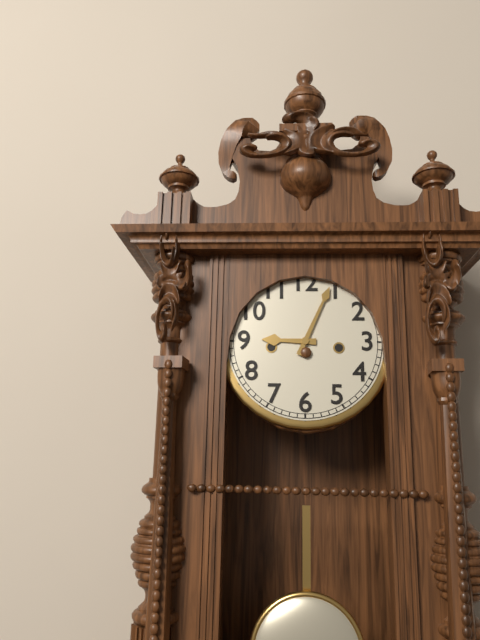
9:04
